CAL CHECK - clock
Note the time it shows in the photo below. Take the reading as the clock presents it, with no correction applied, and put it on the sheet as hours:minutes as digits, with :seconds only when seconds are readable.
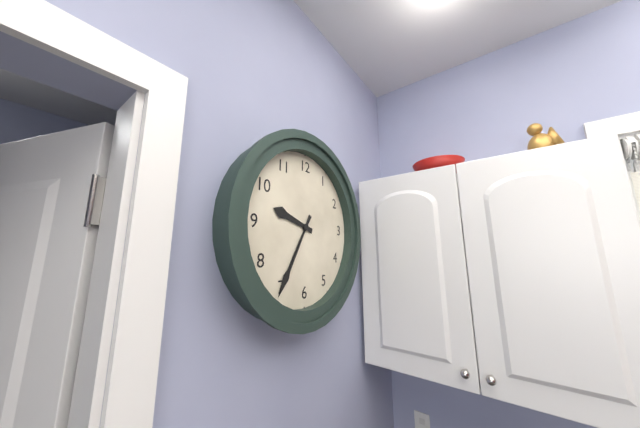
9:35
